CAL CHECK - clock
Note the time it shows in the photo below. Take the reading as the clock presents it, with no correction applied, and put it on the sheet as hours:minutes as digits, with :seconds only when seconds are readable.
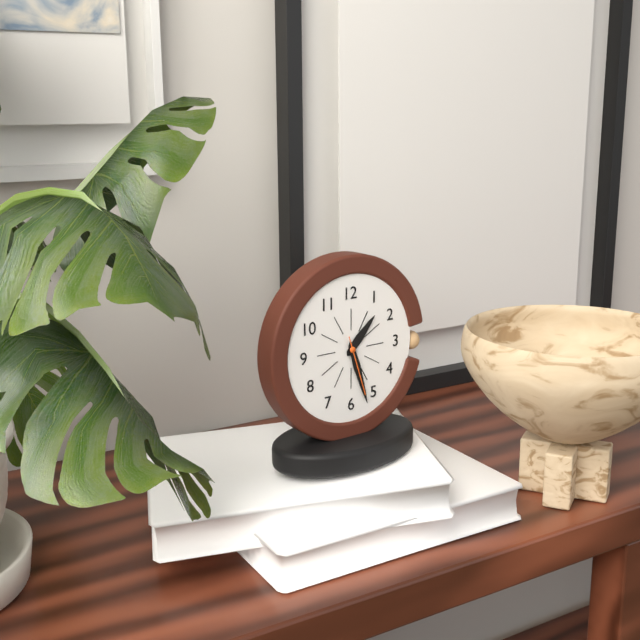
1:27:27
